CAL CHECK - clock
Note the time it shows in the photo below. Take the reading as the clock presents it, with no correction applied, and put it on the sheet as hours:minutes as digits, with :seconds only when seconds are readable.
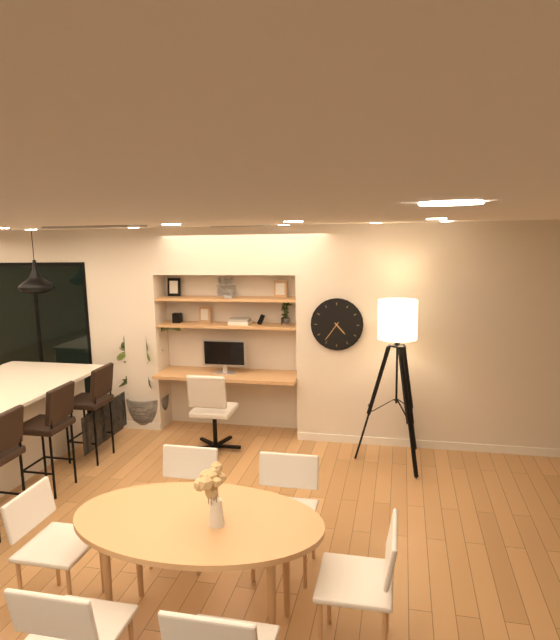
4:36
